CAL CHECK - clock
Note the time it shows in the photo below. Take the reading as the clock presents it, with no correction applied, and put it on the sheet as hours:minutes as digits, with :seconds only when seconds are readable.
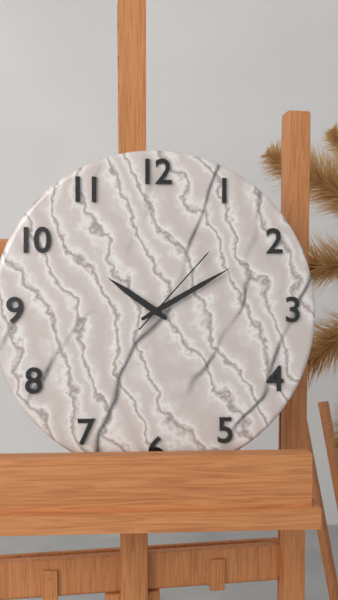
10:10:07
